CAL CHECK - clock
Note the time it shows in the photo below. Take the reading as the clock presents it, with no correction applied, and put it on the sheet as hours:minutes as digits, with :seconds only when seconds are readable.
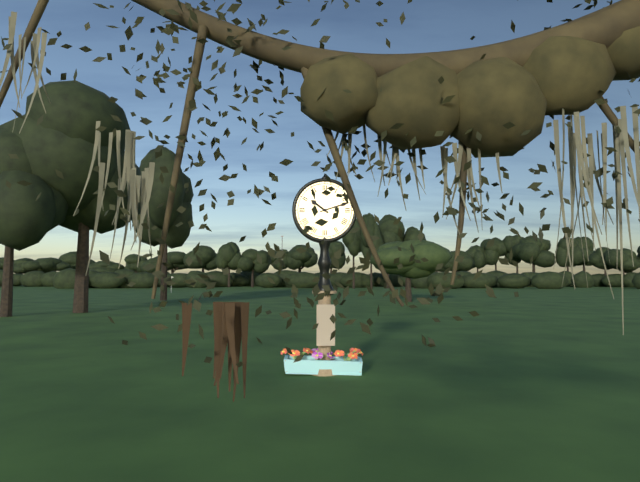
10:12
